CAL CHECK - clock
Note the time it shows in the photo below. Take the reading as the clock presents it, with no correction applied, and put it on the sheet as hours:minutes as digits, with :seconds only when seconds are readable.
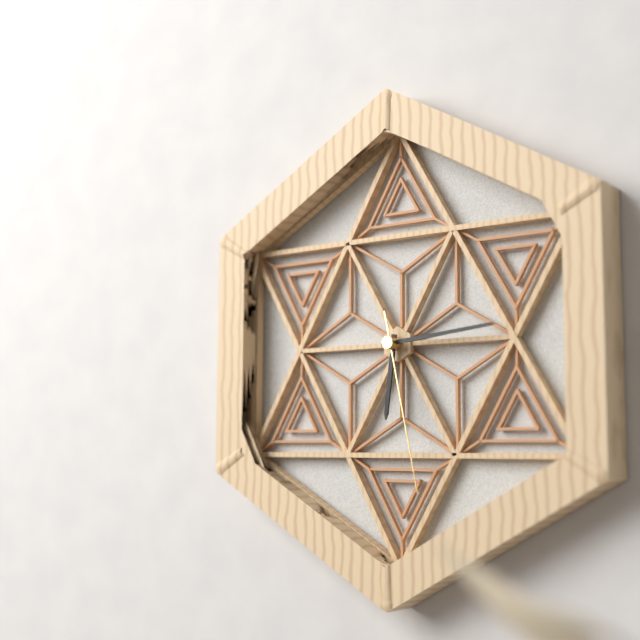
6:14:28
